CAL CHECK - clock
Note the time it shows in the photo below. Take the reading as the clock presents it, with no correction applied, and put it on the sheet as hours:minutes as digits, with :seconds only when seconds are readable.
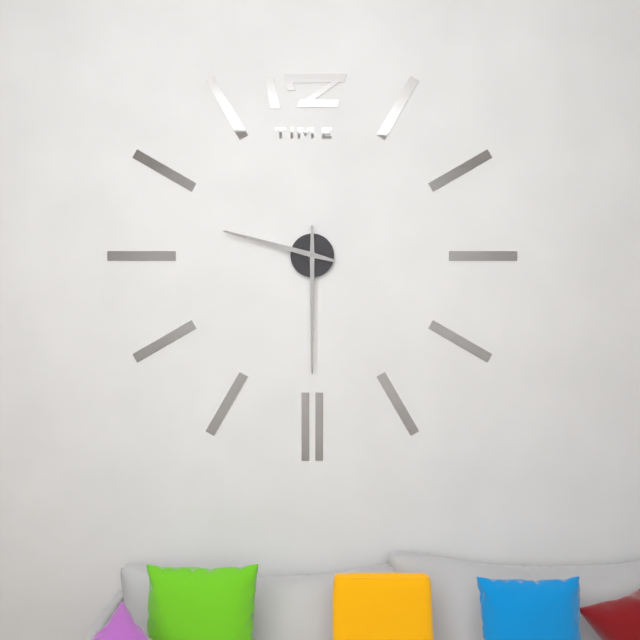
9:30
